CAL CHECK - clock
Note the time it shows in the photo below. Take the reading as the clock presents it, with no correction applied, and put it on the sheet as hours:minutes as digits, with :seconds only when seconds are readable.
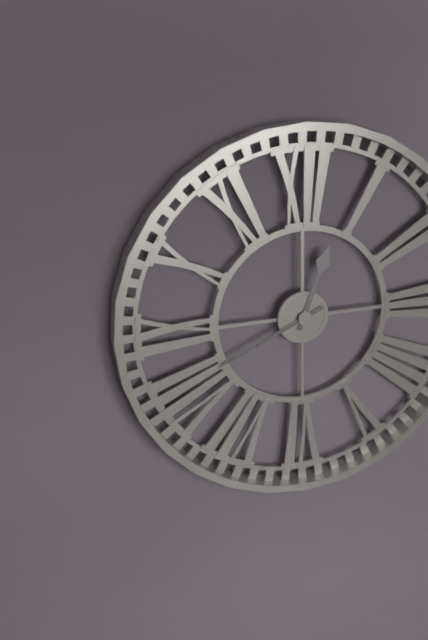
12:41
